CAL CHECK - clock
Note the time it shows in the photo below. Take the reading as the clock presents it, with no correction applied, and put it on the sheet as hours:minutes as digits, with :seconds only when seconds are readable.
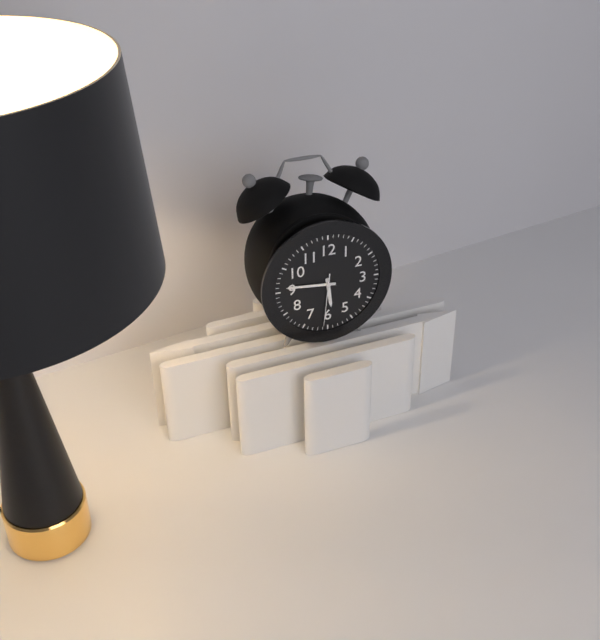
5:46:31
